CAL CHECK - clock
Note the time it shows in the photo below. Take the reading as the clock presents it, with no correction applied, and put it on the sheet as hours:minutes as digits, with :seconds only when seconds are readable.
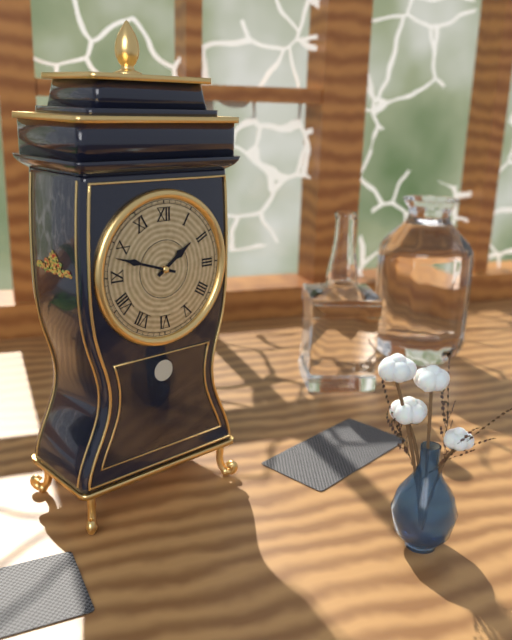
1:48
